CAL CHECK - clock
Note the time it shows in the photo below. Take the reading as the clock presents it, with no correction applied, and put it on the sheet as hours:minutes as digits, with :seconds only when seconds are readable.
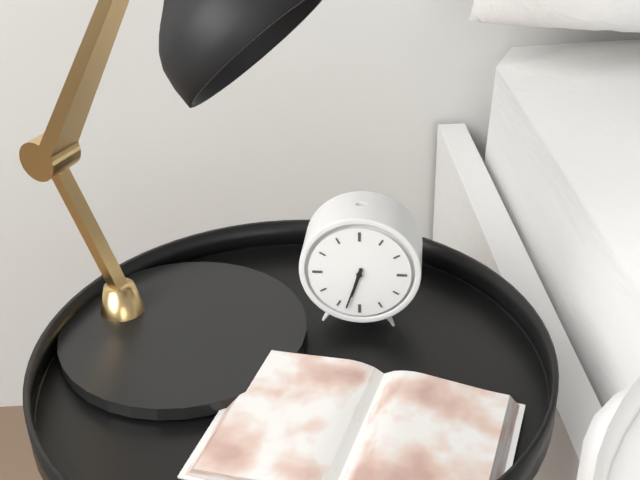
6:33
